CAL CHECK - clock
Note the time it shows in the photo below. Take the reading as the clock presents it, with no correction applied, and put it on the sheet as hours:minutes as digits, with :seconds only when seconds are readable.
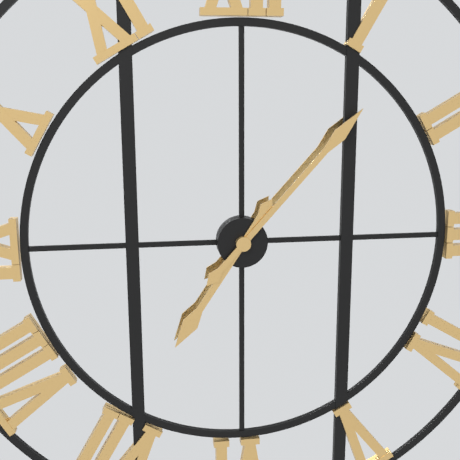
7:07
